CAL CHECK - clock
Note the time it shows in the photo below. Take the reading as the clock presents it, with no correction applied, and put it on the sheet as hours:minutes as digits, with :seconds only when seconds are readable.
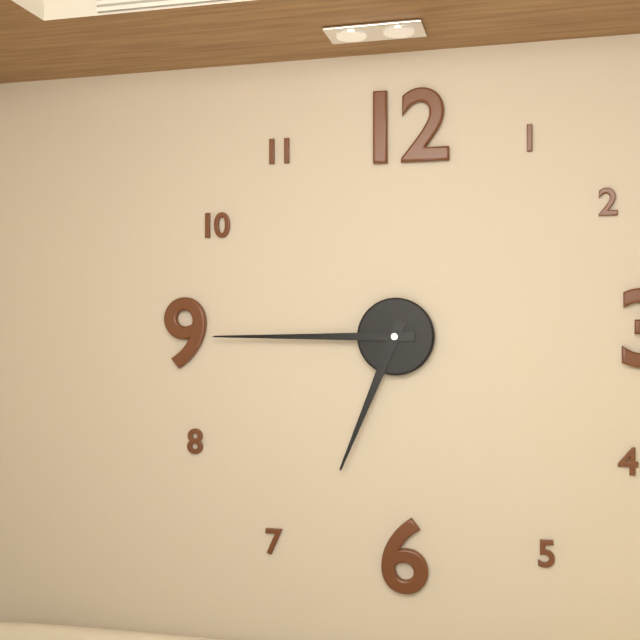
6:45
